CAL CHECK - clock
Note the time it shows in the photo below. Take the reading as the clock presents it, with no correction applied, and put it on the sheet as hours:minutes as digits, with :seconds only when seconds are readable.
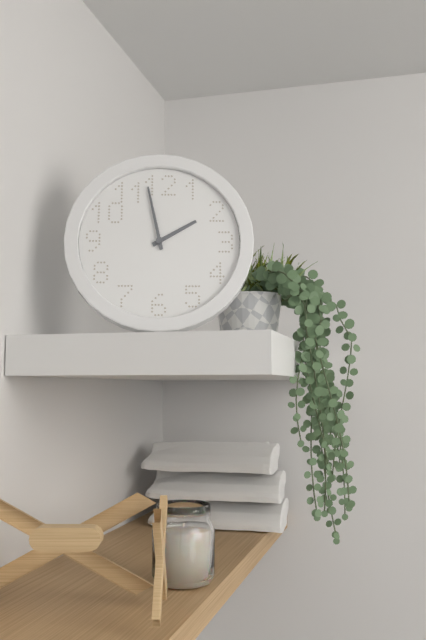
1:58
